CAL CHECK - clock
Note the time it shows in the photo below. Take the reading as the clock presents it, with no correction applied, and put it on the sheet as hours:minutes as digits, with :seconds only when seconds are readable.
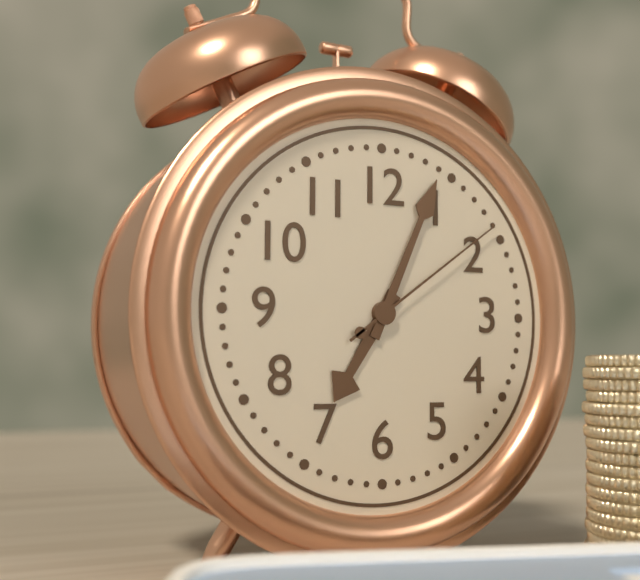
7:04:09
